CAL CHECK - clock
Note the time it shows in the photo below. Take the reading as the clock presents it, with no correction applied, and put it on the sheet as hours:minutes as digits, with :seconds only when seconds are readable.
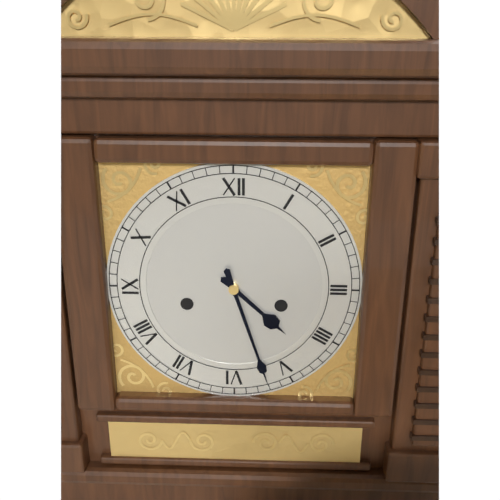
4:27
